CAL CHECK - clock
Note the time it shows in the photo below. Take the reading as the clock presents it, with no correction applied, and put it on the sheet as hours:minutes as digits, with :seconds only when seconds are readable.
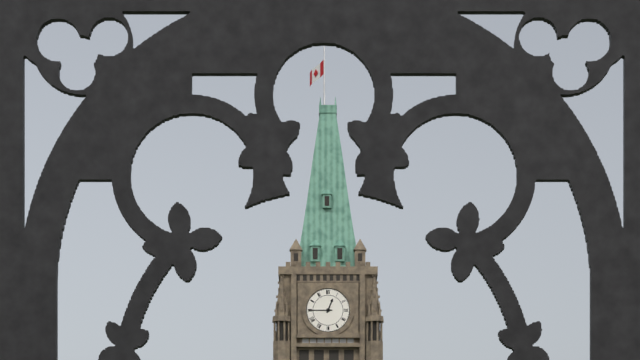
12:45
